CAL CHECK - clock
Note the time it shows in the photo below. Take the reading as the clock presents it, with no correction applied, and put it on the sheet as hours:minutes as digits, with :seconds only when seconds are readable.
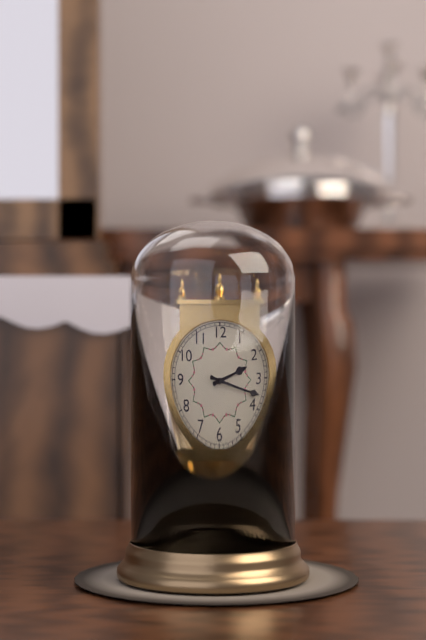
2:18
